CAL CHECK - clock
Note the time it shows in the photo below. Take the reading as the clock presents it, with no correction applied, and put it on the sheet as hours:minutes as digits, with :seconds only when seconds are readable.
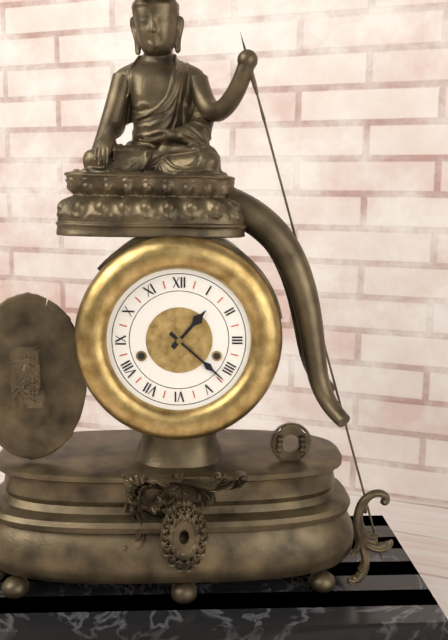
1:22
